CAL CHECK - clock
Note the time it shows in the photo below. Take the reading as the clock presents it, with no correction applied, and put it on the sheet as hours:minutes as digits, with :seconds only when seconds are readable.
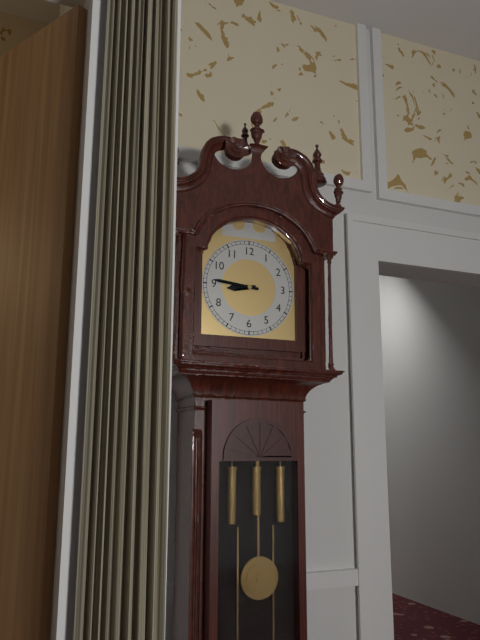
8:46
